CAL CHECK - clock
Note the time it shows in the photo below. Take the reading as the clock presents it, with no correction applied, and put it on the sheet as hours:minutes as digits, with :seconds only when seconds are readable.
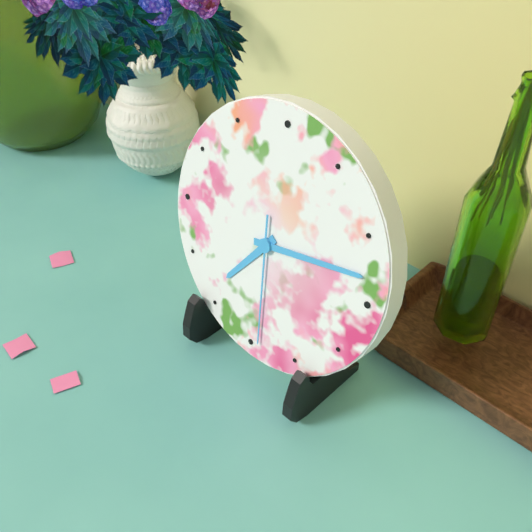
7:13:29
